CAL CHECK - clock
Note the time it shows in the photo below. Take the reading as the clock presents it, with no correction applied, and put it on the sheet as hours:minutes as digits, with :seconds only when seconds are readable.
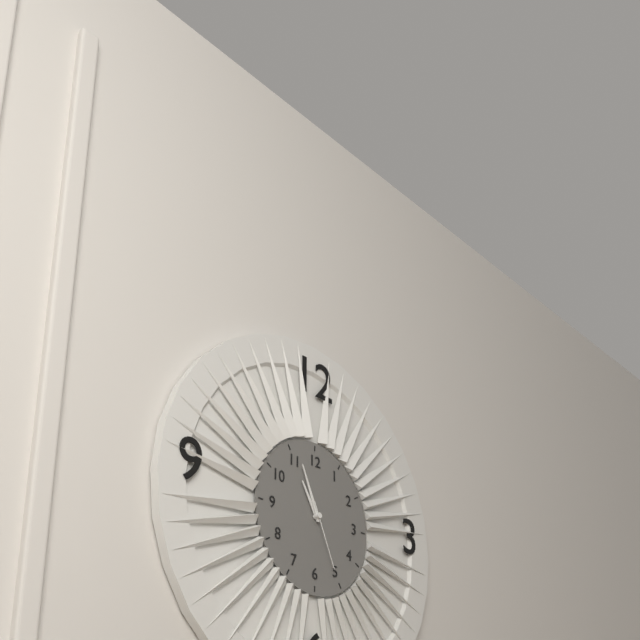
10:56:26
